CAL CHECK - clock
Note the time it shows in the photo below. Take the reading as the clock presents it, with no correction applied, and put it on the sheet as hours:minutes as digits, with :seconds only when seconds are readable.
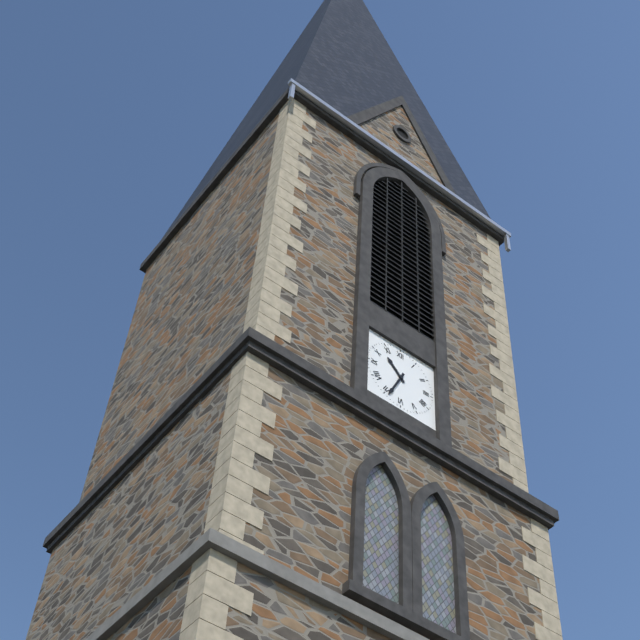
10:34
